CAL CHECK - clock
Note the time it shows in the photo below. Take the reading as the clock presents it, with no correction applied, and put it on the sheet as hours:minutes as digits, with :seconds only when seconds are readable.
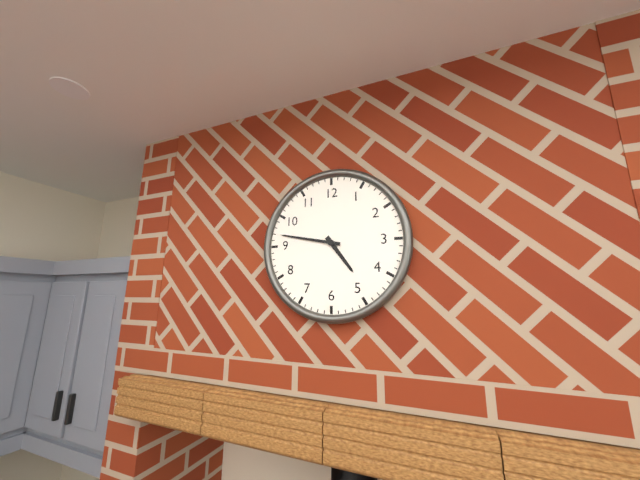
4:47
